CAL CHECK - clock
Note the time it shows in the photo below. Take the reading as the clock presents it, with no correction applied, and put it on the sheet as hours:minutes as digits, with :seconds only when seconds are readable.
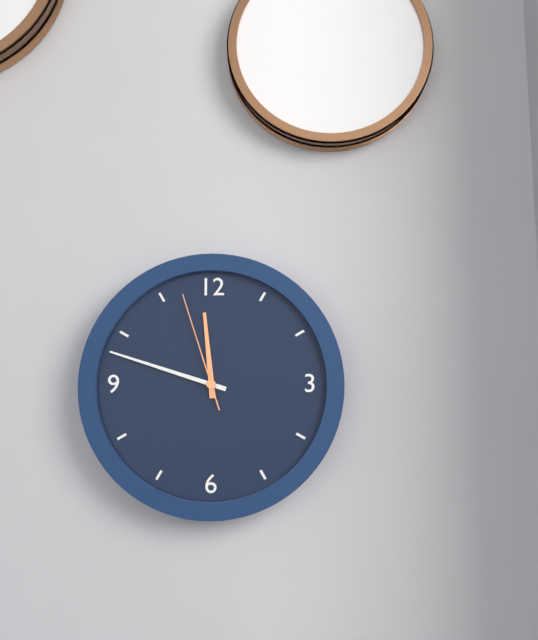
11:48:57
